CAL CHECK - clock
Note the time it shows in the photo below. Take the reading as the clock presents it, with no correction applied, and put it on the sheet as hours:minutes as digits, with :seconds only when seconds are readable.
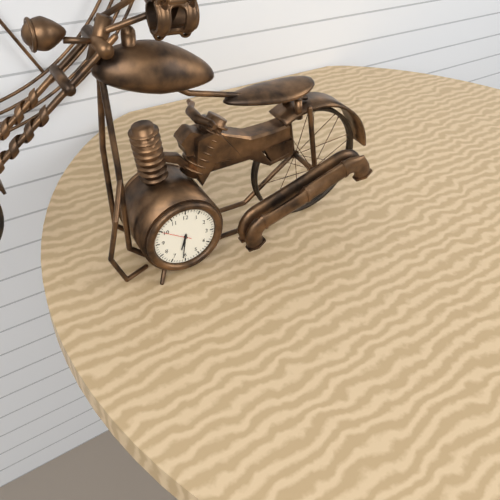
6:31
